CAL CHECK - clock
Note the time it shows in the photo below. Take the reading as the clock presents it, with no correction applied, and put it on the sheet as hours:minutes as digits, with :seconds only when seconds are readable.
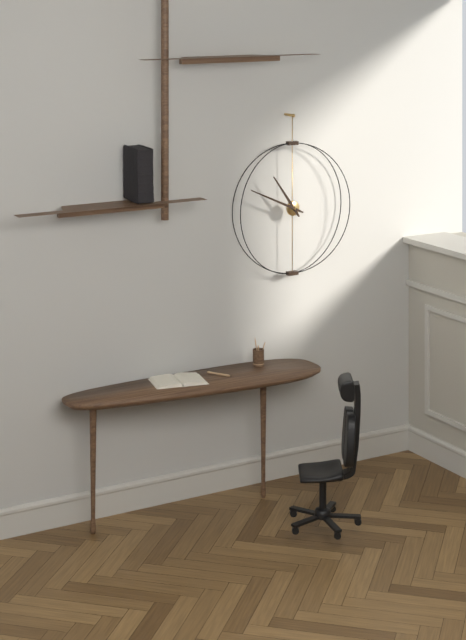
10:49
